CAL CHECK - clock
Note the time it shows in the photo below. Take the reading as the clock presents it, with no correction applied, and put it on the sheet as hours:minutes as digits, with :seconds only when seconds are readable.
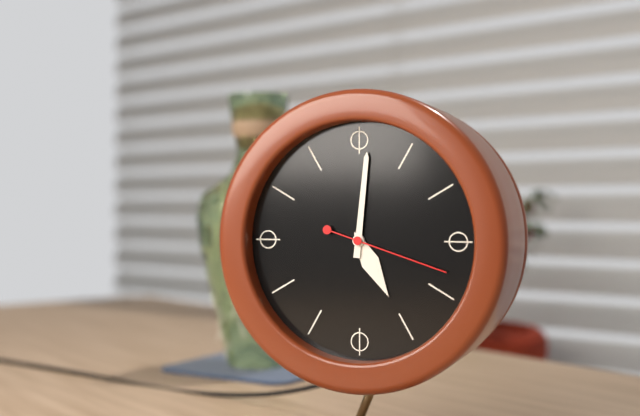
5:01:18
